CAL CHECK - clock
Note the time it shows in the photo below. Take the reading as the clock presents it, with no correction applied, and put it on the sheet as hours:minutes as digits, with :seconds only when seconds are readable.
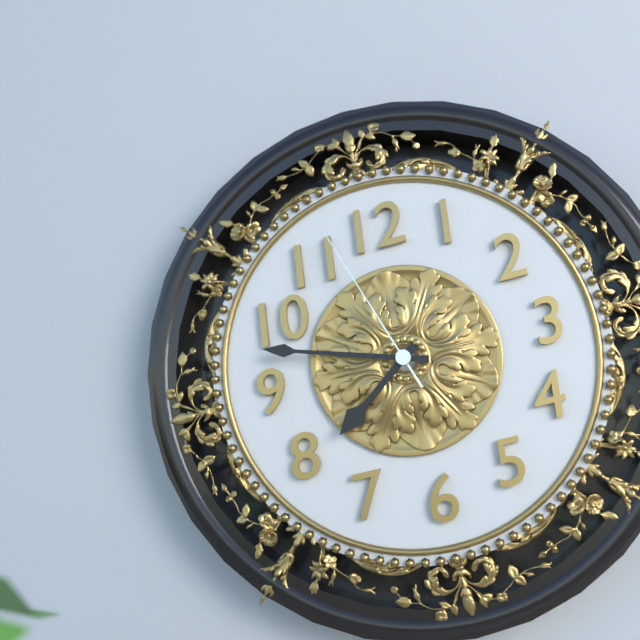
7:48:57
